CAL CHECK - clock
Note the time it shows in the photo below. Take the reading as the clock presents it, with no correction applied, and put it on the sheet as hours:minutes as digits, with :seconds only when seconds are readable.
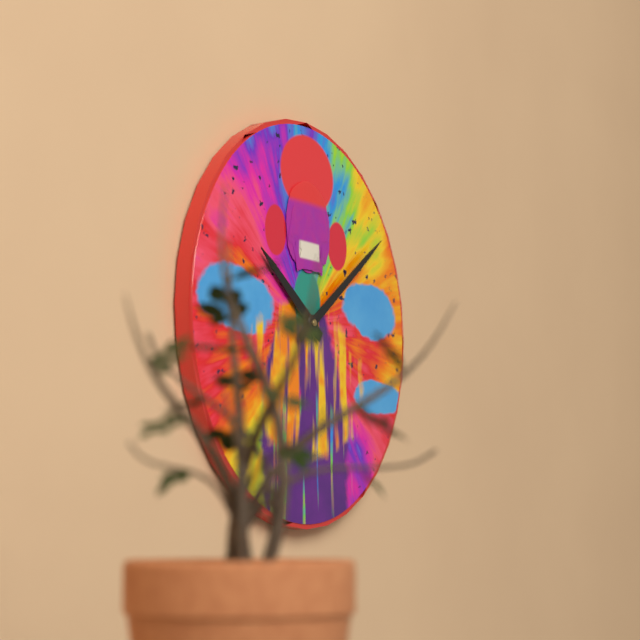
10:09
